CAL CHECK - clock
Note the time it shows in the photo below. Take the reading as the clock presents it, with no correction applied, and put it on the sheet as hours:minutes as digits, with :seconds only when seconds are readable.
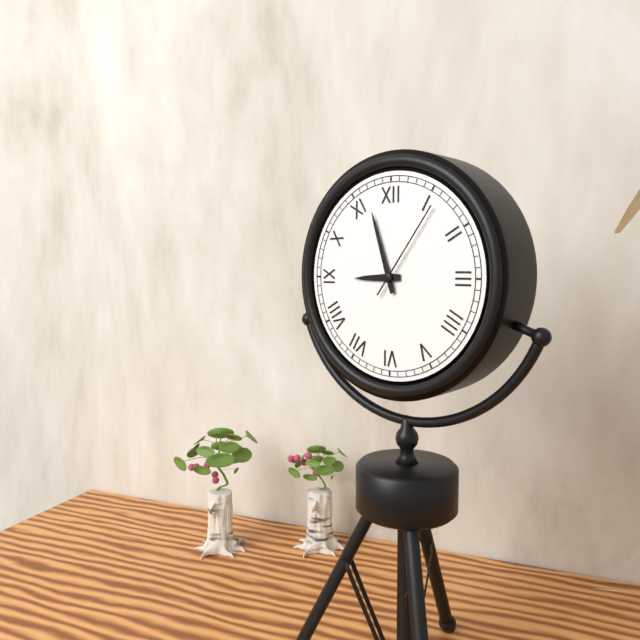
8:57:06
